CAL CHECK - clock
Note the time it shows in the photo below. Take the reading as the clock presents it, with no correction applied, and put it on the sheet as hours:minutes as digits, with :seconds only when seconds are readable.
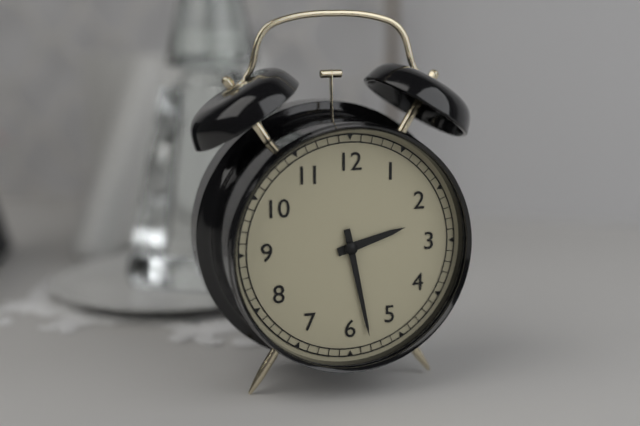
2:28
